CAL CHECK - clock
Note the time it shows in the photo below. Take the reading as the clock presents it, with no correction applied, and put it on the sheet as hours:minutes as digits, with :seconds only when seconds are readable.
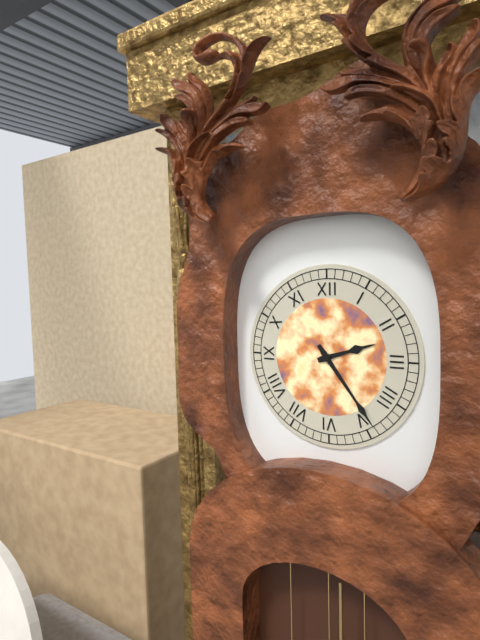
2:24
